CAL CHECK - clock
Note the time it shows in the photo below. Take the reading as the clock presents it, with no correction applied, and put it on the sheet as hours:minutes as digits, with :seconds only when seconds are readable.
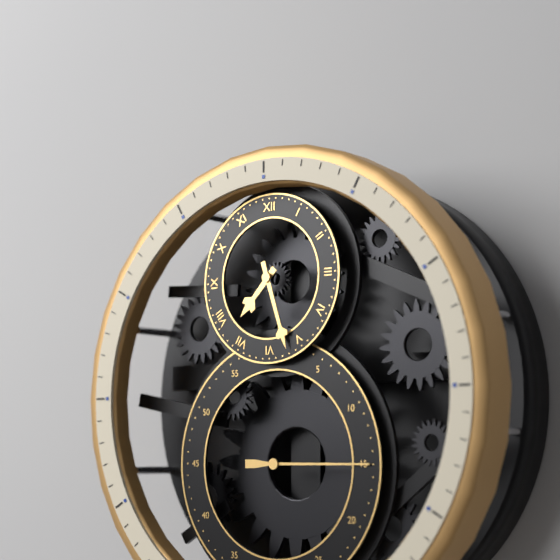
7:27:15
